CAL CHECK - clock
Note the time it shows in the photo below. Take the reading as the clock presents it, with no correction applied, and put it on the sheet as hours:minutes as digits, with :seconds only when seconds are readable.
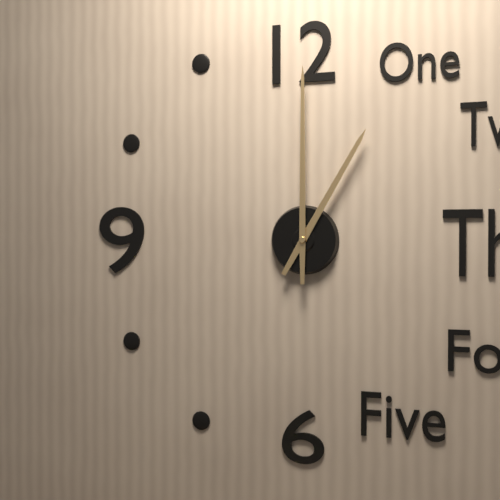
1:00
